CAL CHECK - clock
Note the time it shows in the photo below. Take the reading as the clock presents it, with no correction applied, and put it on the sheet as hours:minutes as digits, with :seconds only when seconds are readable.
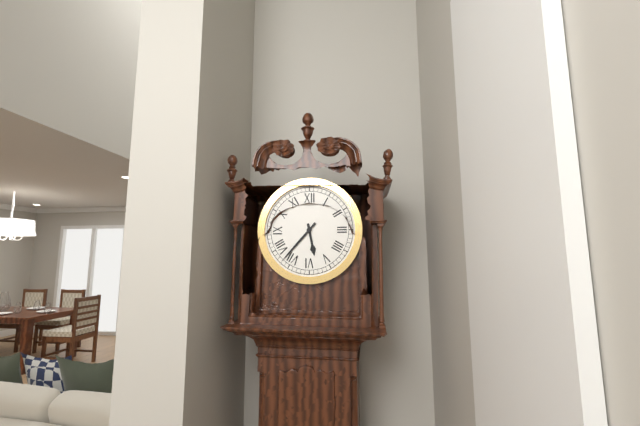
5:37
